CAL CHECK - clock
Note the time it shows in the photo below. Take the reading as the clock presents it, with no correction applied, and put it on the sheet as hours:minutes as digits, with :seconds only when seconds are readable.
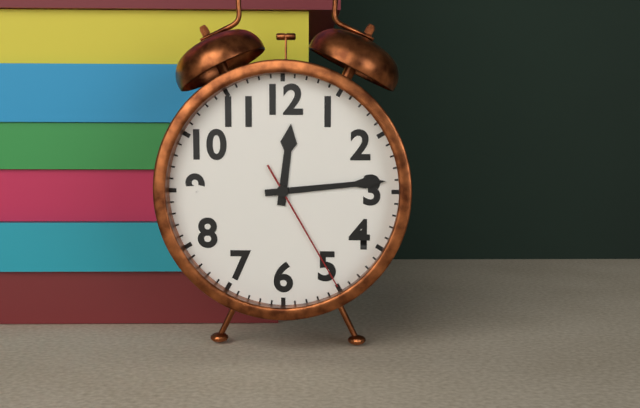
12:14:25
